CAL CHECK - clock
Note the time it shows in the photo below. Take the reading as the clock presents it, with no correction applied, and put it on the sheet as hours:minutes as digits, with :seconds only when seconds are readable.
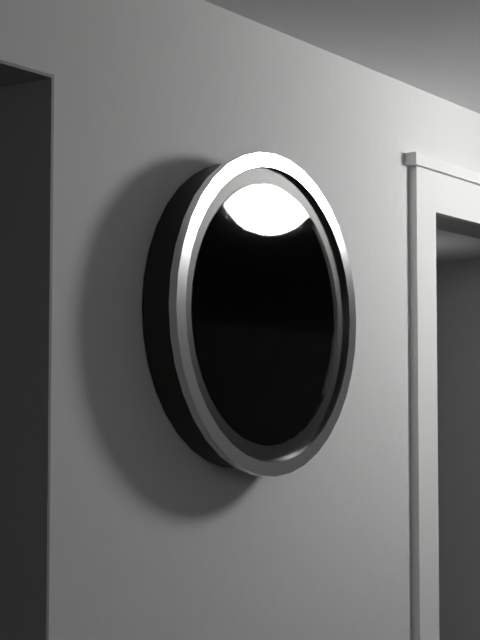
5:34
